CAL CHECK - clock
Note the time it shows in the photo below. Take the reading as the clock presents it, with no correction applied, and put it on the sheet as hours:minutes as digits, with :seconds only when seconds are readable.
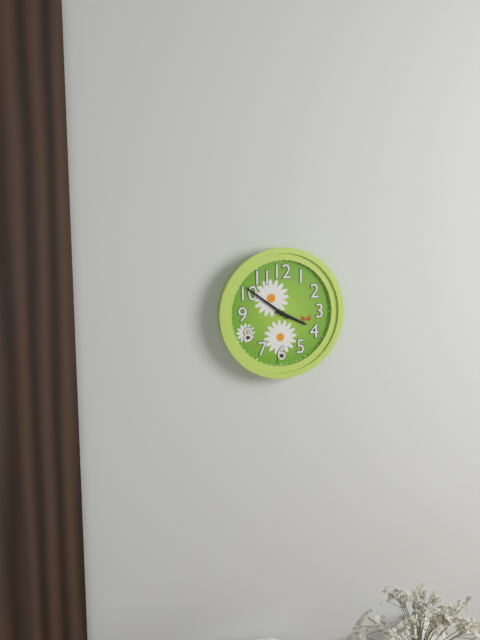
3:51
